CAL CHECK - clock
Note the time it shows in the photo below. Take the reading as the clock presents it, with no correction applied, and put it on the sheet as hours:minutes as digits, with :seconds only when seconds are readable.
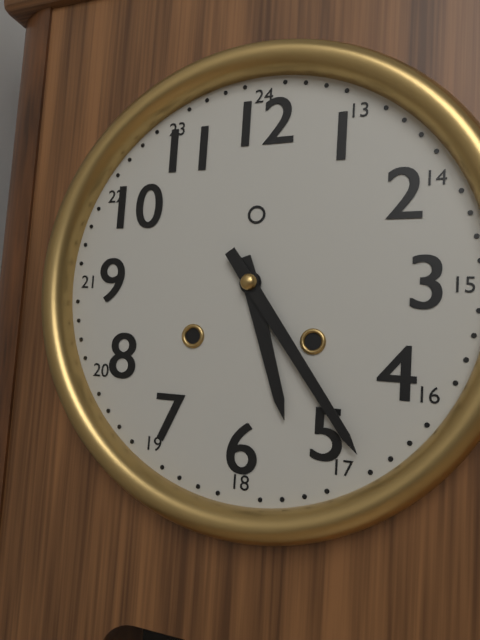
5:24
